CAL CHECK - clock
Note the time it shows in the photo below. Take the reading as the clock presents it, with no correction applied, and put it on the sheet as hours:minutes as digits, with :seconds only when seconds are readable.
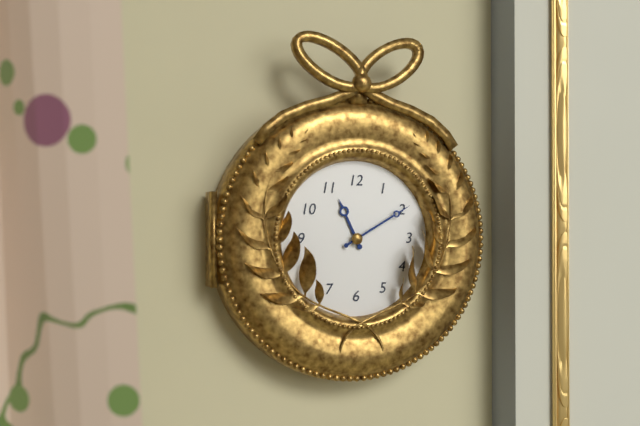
11:10
